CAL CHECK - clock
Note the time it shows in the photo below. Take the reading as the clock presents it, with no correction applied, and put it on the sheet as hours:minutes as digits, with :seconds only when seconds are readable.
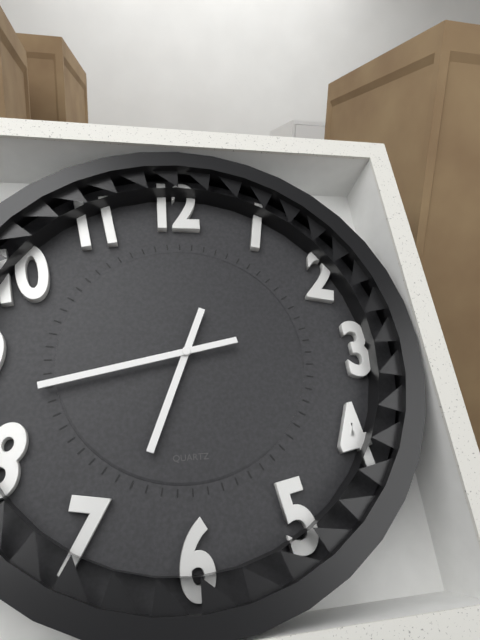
6:43
